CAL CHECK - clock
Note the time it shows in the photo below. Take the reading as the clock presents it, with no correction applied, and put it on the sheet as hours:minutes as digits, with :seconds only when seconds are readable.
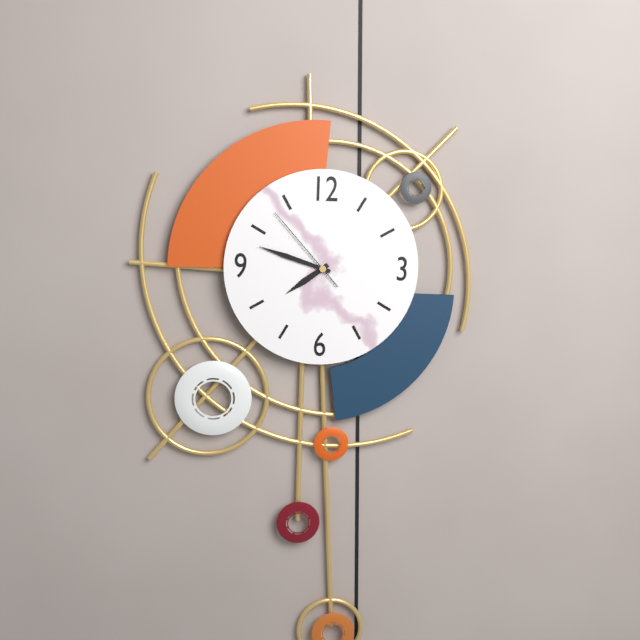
7:48:53
